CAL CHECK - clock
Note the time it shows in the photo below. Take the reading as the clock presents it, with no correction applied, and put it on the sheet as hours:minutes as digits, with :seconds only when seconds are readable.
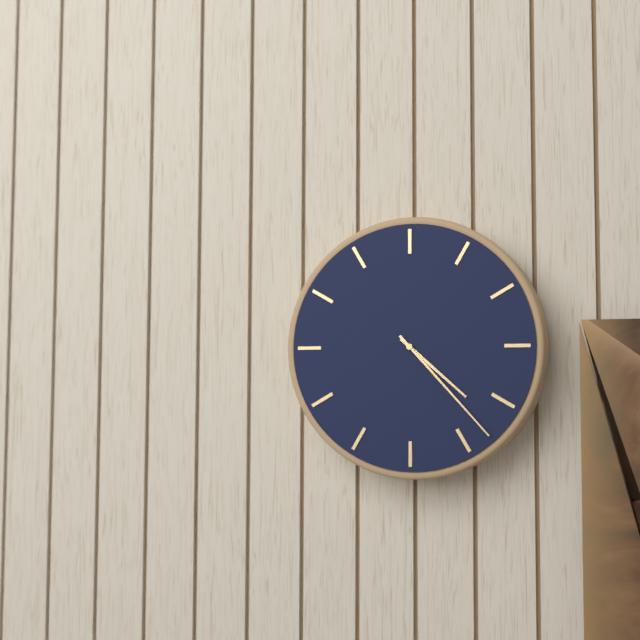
4:23
